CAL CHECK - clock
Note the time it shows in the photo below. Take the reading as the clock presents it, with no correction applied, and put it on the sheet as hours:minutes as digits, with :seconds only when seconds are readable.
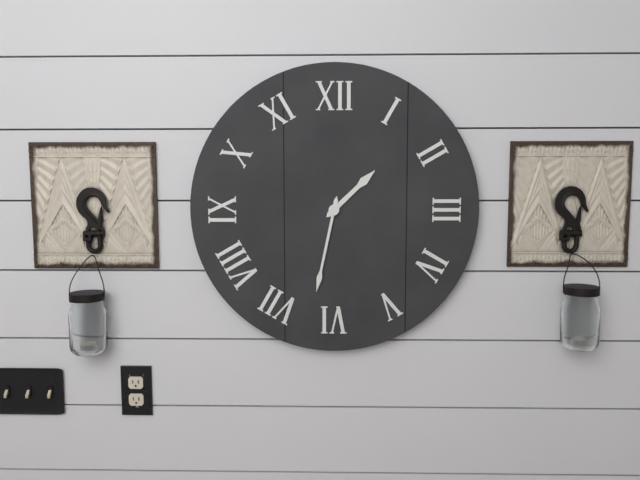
1:32
